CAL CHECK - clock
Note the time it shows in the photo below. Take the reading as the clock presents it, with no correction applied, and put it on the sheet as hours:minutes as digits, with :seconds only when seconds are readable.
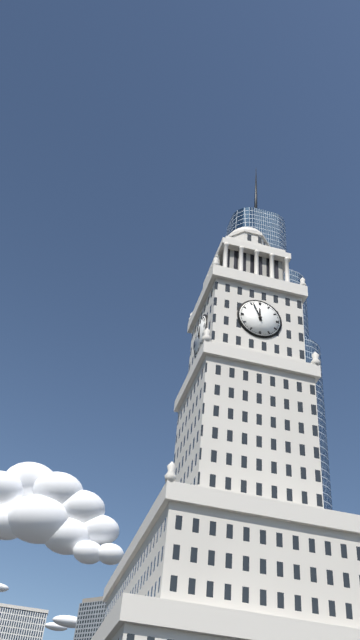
11:56
